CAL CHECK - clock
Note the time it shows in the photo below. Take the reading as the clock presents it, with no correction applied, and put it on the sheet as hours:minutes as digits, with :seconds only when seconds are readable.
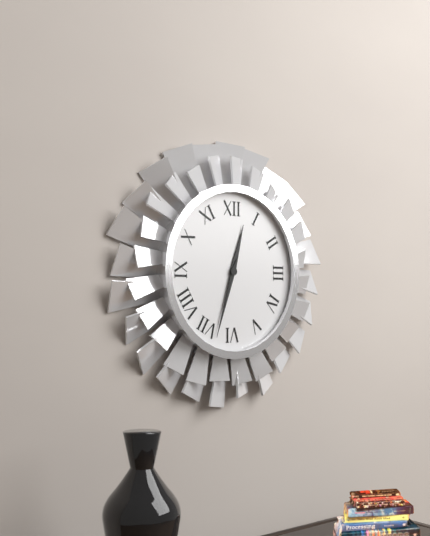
12:33
